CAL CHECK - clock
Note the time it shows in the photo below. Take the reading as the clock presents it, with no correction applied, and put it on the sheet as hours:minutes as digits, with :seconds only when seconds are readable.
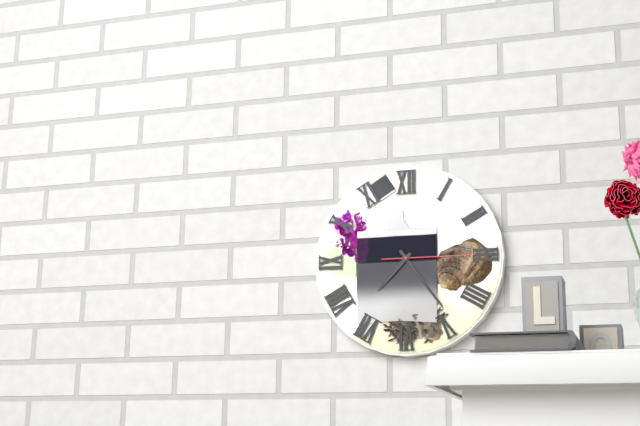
7:24:15
